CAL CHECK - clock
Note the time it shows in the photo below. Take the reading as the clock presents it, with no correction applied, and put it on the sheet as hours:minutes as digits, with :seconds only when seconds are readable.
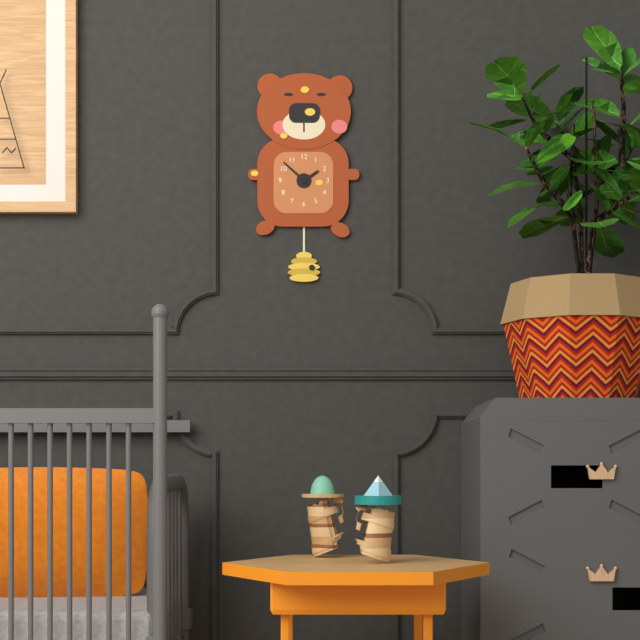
1:52
